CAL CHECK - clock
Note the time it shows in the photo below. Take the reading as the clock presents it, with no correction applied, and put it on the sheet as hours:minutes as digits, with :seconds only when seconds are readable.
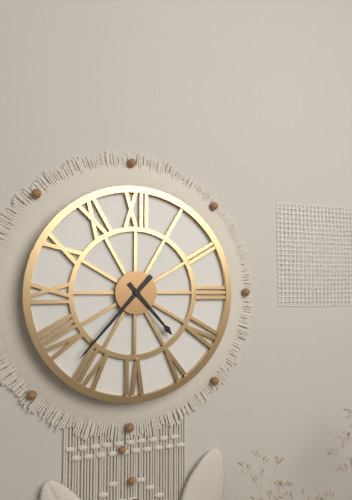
4:37
